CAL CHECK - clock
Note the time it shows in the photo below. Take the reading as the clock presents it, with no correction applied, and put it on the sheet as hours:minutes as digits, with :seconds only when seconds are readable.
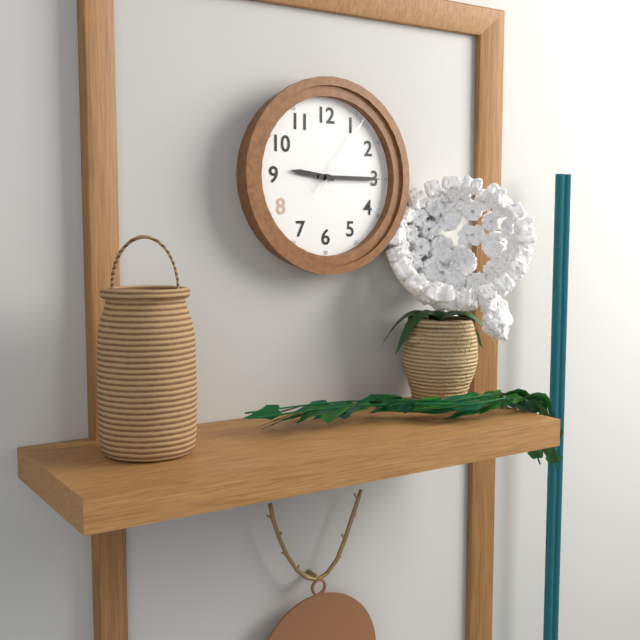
9:15:06
